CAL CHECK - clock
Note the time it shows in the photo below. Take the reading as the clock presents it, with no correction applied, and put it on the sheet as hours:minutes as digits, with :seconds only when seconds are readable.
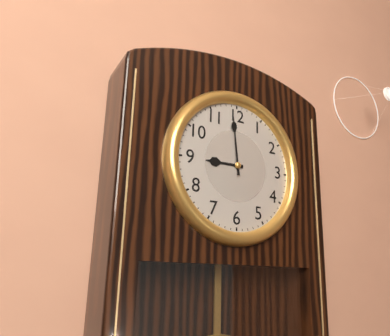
8:59
